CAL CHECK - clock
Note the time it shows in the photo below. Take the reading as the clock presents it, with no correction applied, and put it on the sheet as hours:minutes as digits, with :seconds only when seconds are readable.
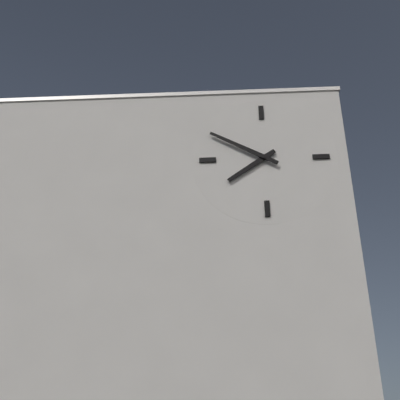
7:50
